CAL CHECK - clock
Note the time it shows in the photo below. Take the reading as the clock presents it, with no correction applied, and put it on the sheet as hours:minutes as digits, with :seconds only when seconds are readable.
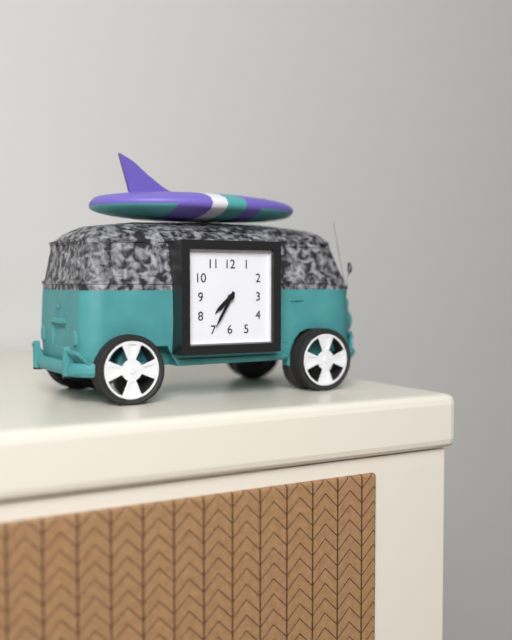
7:35
